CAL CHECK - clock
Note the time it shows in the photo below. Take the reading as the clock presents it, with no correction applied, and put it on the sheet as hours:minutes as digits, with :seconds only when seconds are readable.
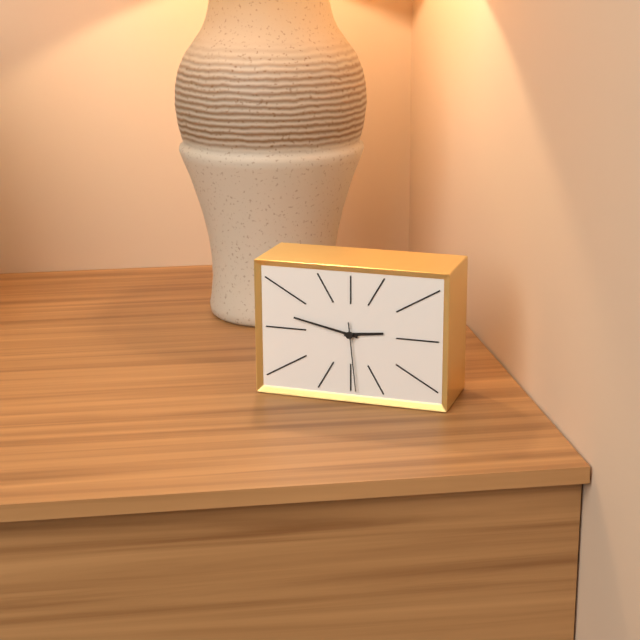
2:47:29
